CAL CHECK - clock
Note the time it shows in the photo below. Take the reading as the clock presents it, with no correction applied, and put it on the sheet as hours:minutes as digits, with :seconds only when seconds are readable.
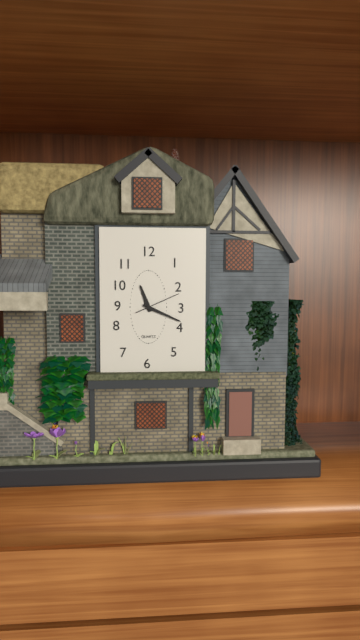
11:19
